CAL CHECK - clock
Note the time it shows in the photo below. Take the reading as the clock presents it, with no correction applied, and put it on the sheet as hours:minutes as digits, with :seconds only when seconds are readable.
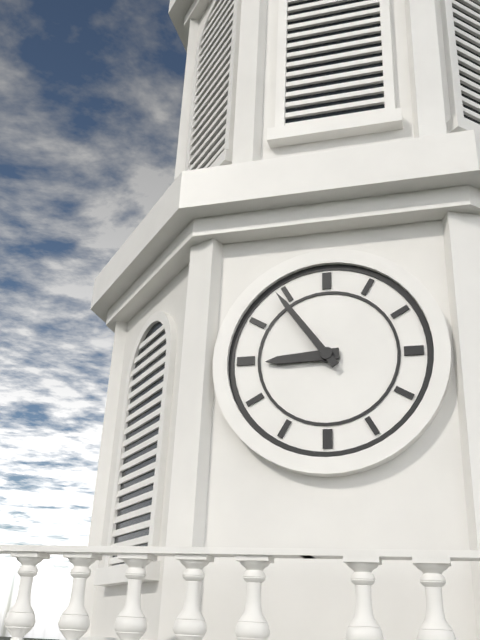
8:54
